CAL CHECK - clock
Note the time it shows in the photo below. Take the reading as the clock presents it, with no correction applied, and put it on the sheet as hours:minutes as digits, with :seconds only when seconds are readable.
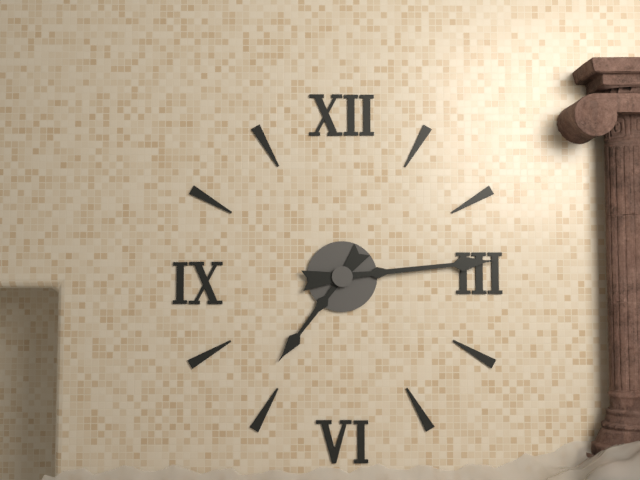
7:14
